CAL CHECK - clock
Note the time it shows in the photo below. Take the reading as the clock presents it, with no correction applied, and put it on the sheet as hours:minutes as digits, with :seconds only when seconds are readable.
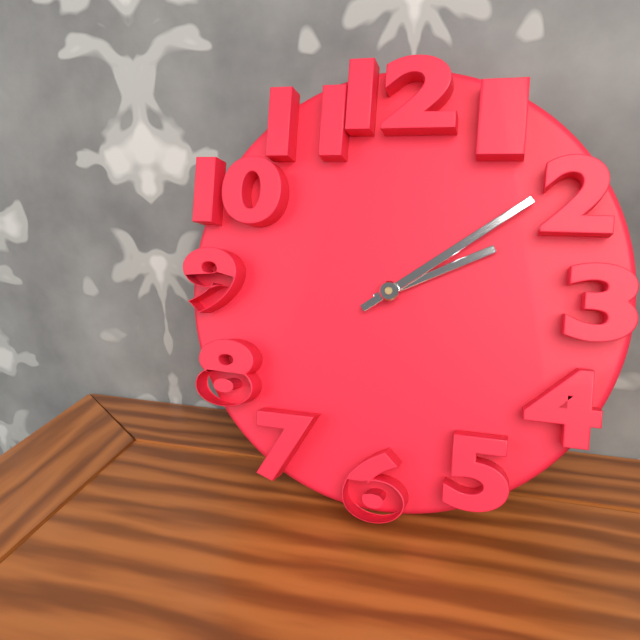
2:09
